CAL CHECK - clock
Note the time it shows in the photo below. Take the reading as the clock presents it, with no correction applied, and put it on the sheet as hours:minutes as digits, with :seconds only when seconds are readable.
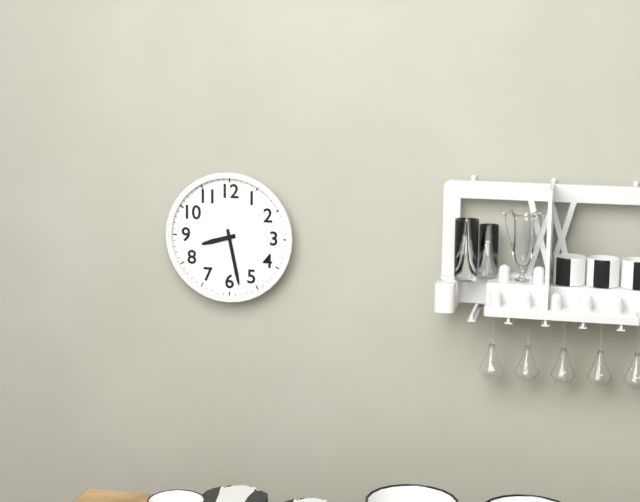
8:28
